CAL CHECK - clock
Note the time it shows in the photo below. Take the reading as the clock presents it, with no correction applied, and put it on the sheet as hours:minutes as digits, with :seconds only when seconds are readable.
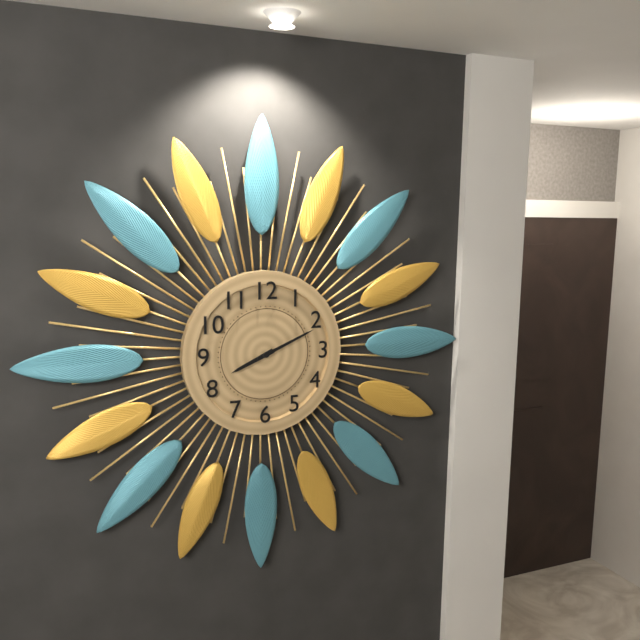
8:11
